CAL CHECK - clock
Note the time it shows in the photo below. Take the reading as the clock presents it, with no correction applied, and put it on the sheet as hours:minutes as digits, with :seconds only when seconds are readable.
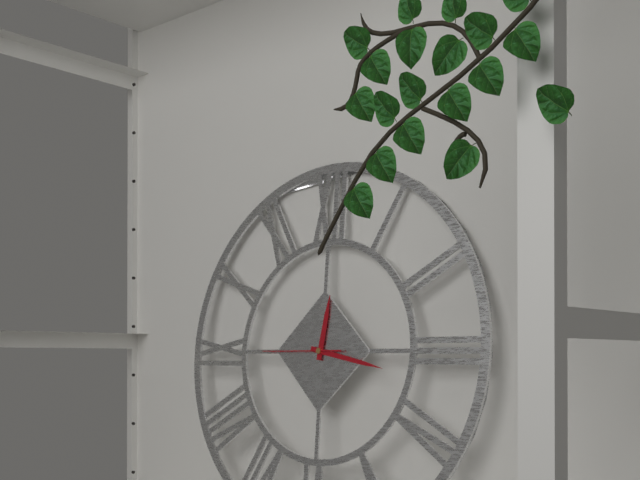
12:17:45
